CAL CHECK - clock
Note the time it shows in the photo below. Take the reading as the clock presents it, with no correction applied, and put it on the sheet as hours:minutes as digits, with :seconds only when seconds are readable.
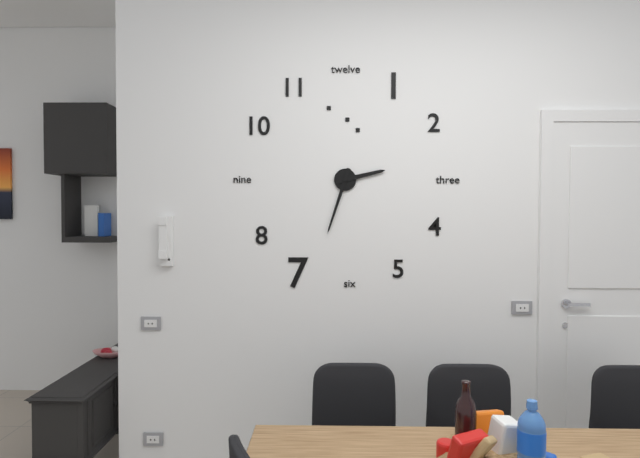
2:33
